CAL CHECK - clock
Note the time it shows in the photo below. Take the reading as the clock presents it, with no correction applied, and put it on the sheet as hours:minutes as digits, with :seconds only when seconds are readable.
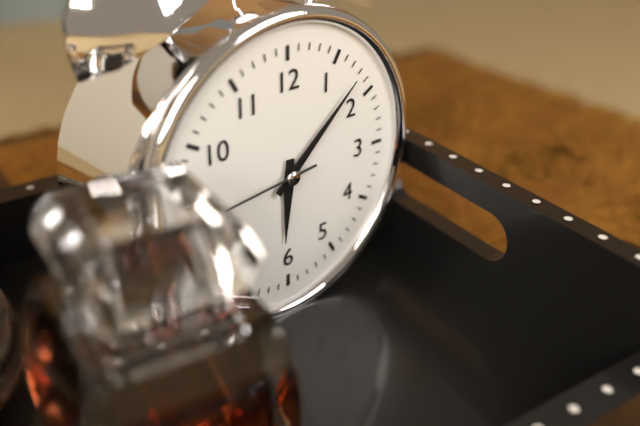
6:08:44
